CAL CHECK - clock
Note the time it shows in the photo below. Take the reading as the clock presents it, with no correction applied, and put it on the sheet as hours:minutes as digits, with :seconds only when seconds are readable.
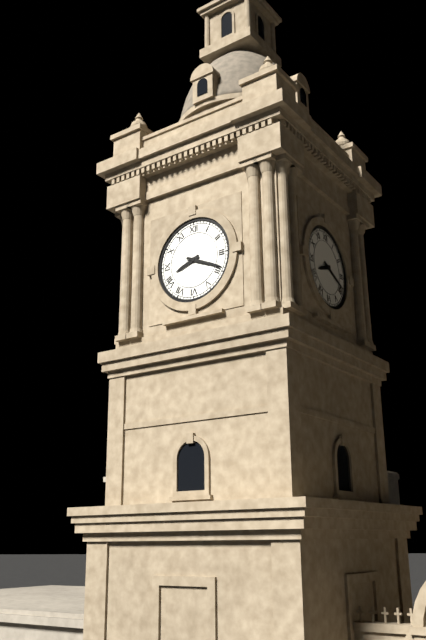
8:19
